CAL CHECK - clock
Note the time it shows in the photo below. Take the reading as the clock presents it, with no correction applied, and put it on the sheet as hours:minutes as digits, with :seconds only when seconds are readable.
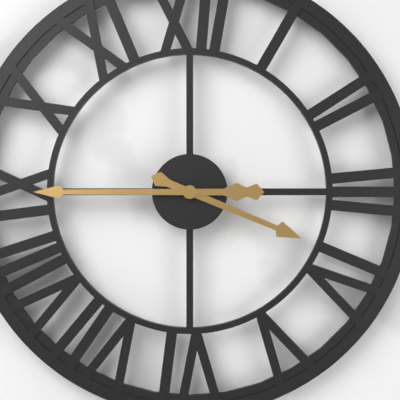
3:45
